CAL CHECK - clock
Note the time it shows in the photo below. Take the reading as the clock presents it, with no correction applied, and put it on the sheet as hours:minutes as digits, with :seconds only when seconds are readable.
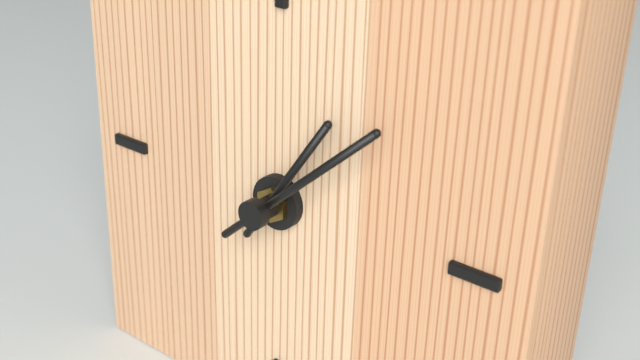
1:08
